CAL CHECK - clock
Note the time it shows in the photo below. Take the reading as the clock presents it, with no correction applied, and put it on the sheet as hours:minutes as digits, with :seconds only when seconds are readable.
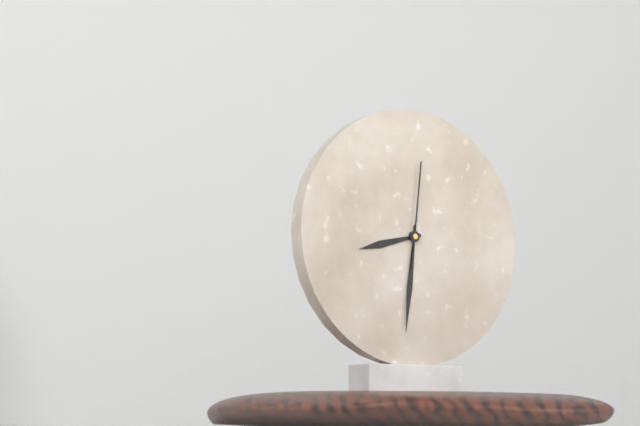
8:31:01
